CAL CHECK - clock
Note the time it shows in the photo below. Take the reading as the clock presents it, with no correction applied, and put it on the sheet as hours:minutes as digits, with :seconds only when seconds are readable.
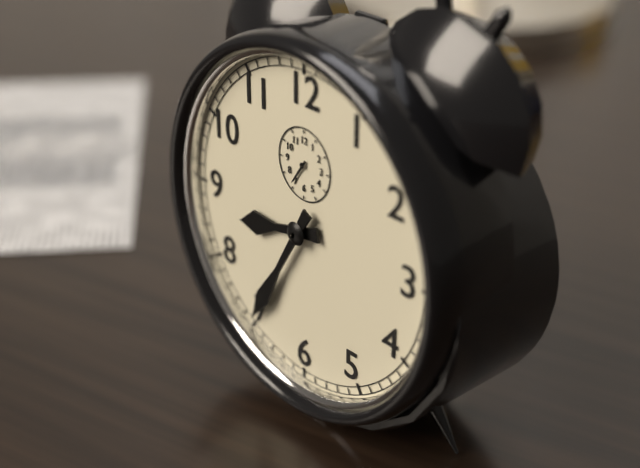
8:35
